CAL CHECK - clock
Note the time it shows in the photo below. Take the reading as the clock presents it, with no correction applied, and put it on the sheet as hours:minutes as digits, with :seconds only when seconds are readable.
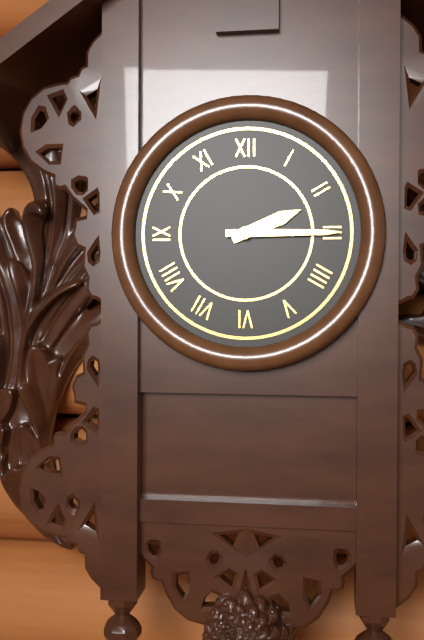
2:15
